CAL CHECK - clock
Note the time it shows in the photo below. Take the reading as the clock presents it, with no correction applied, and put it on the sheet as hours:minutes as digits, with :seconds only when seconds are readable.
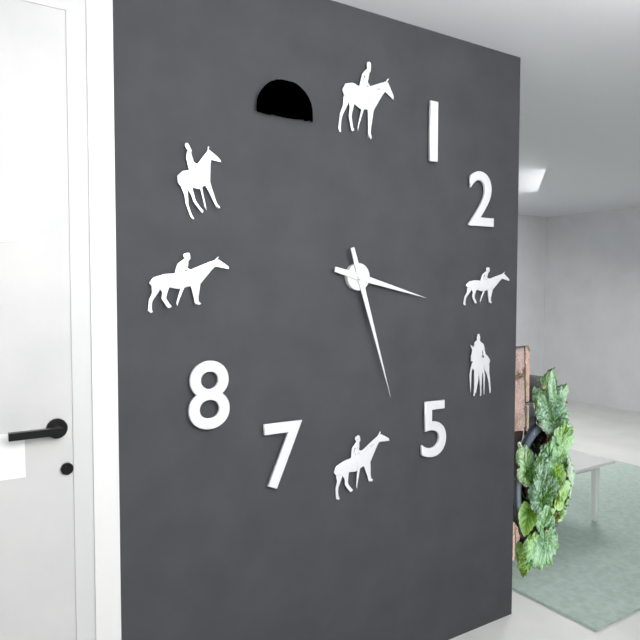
3:27
